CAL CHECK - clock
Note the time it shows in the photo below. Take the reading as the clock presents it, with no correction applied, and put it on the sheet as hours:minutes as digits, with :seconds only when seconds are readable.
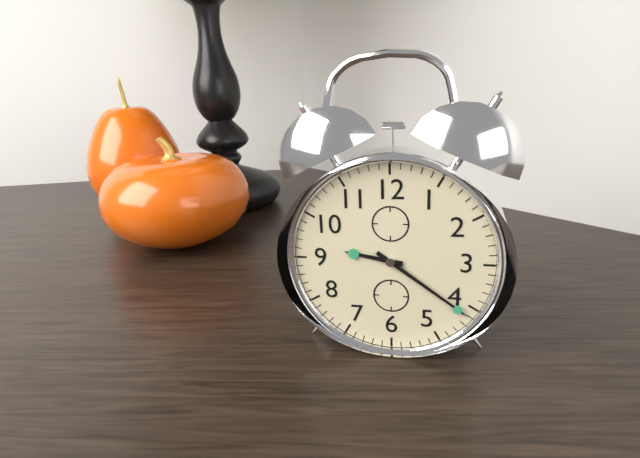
9:21
